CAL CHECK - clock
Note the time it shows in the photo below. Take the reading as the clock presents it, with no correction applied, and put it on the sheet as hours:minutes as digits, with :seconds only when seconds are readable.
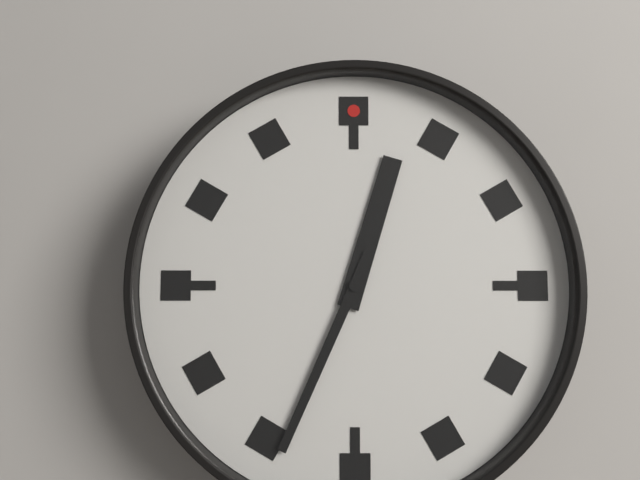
12:34
